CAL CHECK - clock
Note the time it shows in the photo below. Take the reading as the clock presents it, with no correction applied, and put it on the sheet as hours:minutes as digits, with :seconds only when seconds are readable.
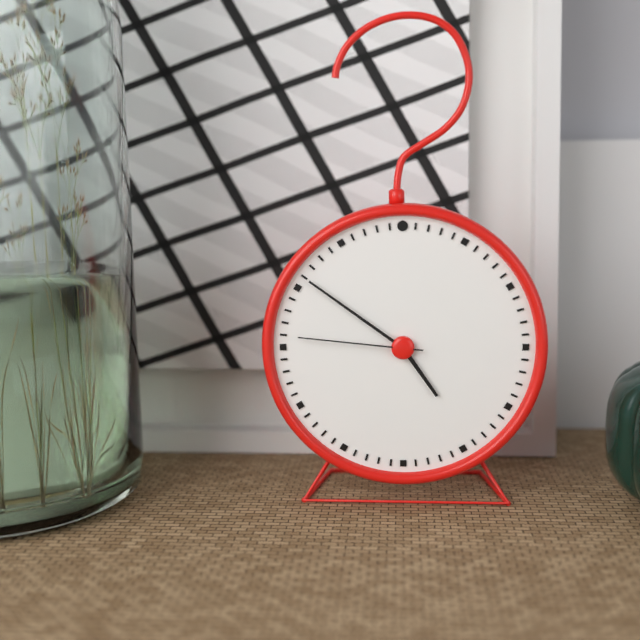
4:51:46
